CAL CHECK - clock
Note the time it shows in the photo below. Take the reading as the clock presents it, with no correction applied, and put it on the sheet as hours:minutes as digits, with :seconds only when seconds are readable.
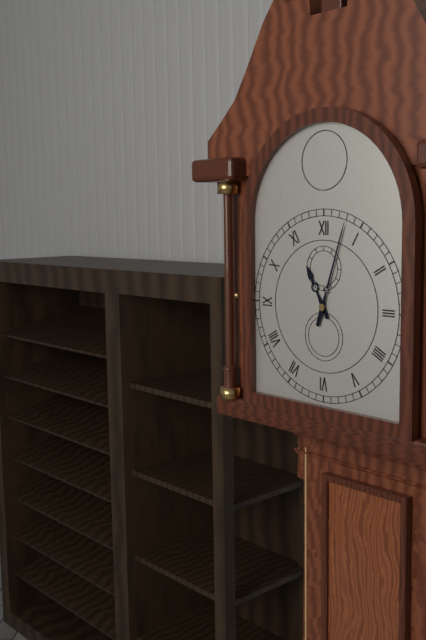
11:03
